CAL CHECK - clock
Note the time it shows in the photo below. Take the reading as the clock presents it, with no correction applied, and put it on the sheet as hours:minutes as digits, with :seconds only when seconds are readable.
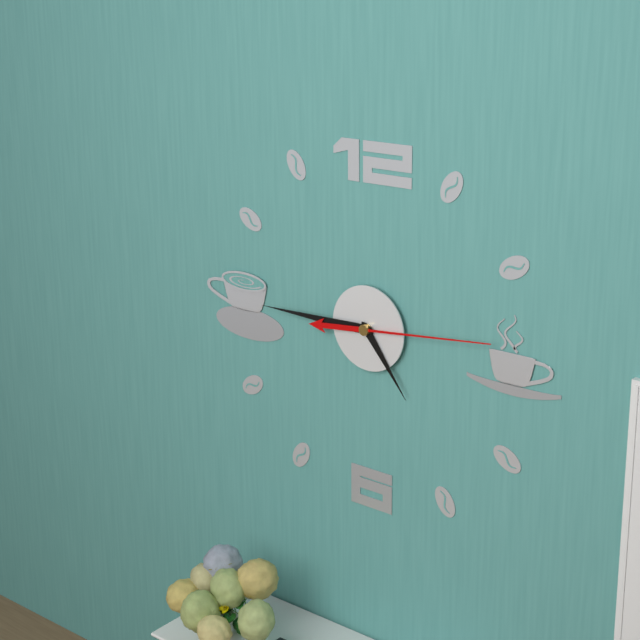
4:45:14
